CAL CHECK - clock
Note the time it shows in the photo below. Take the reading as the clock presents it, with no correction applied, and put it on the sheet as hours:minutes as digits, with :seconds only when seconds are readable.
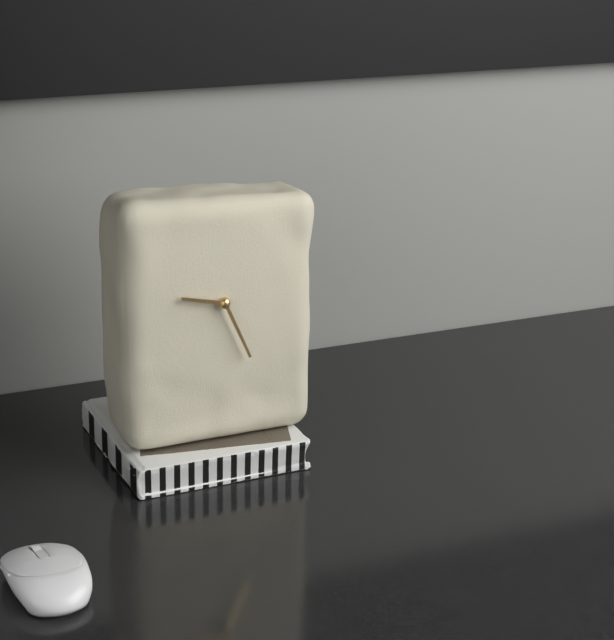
9:26
